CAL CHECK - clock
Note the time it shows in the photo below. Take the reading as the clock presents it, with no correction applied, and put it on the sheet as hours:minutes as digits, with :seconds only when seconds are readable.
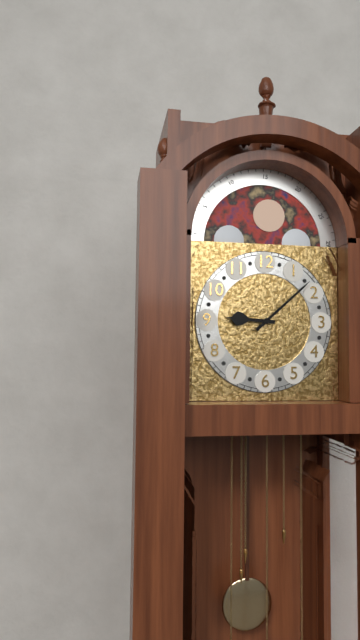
9:08
